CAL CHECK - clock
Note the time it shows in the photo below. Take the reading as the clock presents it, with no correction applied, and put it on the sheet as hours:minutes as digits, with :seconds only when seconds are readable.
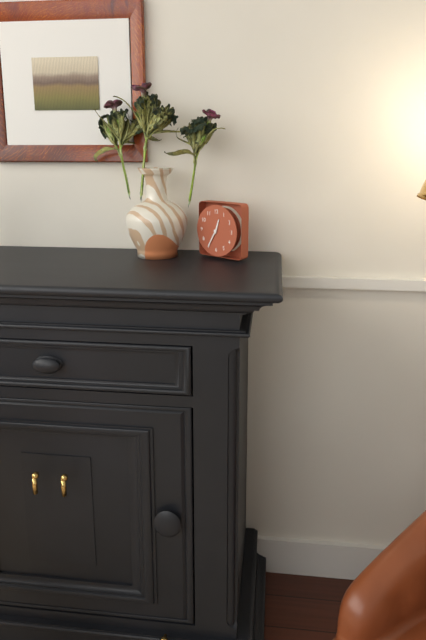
12:35
